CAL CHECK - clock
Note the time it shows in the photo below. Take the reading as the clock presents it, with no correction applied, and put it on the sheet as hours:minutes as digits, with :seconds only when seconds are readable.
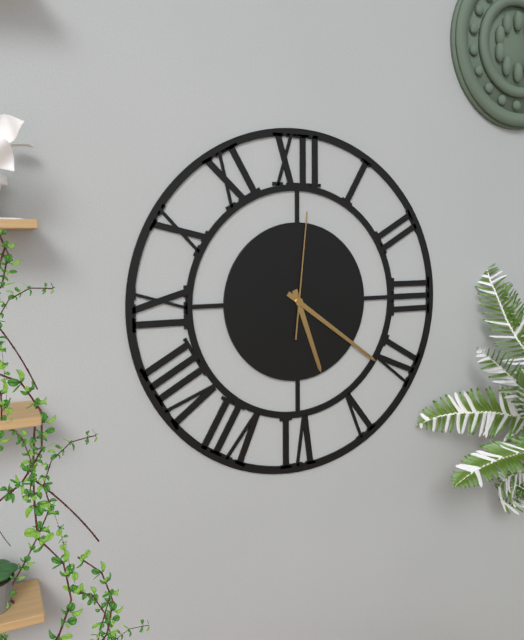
5:21:01
